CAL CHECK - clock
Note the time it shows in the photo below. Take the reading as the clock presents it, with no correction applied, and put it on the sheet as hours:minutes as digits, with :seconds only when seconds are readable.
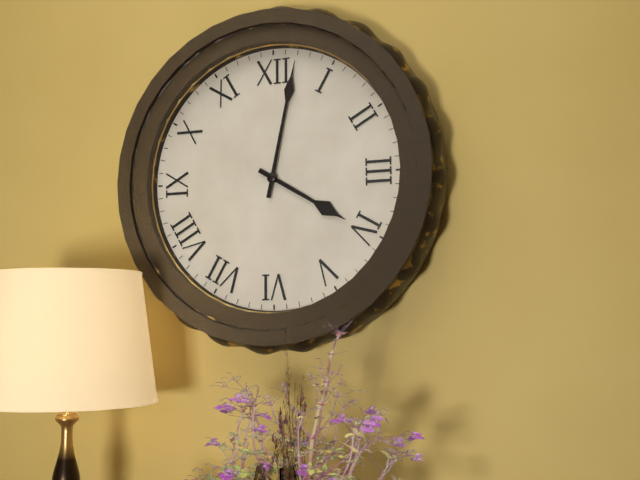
4:02
